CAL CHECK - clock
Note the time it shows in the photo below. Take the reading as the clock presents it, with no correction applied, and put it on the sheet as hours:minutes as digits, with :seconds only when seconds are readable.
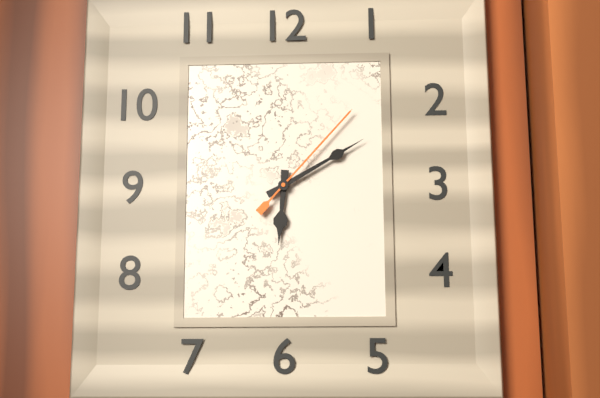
6:10:07
